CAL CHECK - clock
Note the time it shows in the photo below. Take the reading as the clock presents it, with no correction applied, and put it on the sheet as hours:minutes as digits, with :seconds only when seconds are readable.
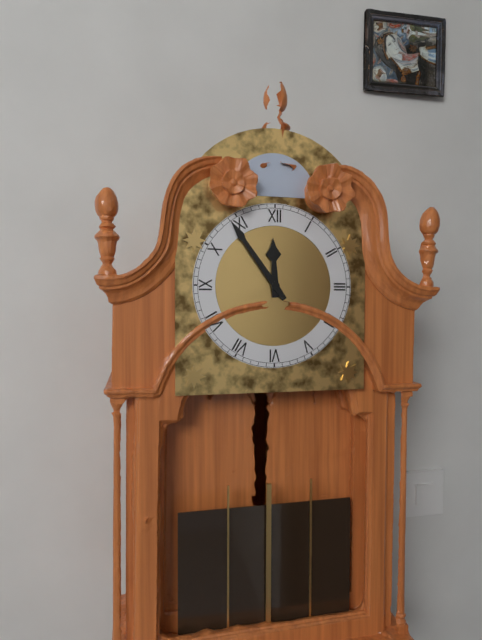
11:54
